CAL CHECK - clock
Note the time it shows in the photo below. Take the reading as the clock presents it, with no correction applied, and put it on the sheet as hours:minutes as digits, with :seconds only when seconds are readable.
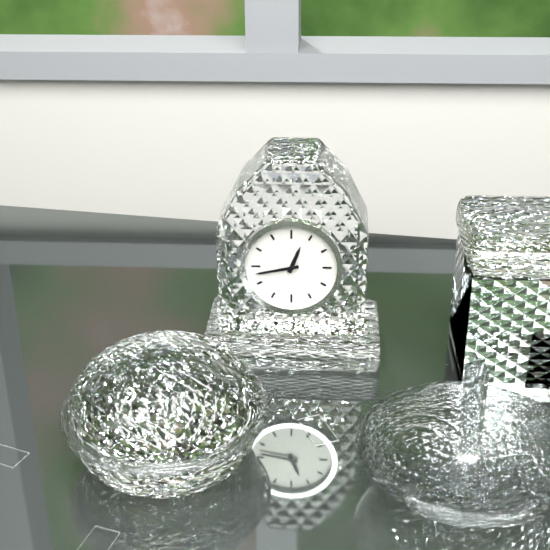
12:43
